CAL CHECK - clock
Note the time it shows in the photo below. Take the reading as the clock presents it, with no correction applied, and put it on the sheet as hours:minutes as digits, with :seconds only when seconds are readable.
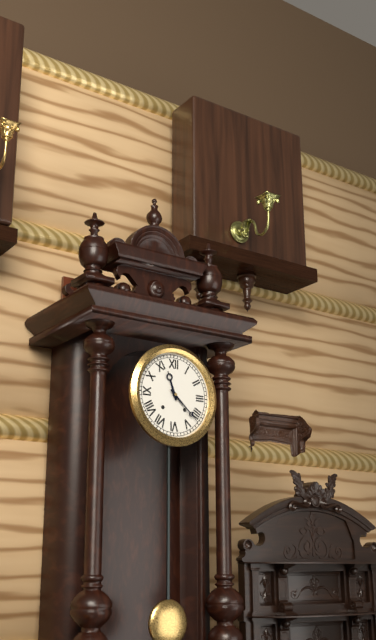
11:22
